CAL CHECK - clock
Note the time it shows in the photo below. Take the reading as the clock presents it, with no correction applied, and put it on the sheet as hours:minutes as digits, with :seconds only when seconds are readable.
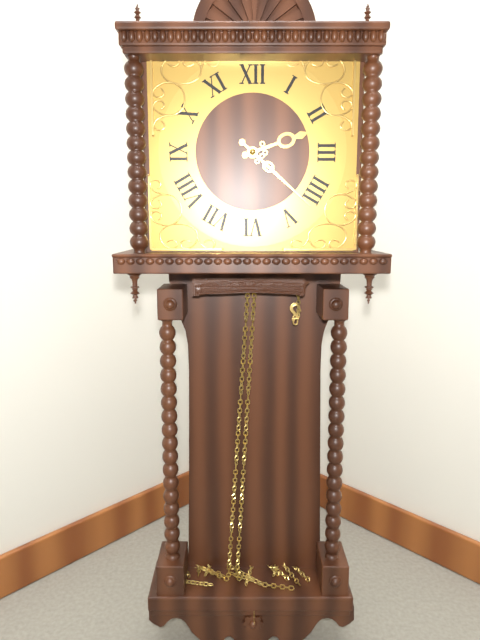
2:22
